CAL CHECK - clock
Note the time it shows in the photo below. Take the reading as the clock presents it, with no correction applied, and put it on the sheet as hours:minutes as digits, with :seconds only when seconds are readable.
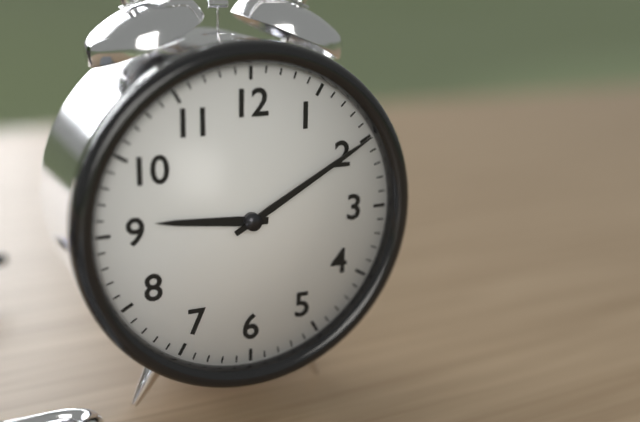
9:10
